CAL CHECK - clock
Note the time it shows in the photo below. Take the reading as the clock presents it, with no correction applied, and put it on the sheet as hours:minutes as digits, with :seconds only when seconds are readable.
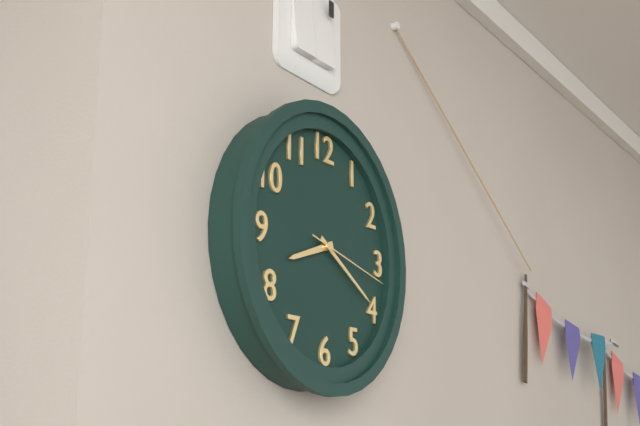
8:20:17
